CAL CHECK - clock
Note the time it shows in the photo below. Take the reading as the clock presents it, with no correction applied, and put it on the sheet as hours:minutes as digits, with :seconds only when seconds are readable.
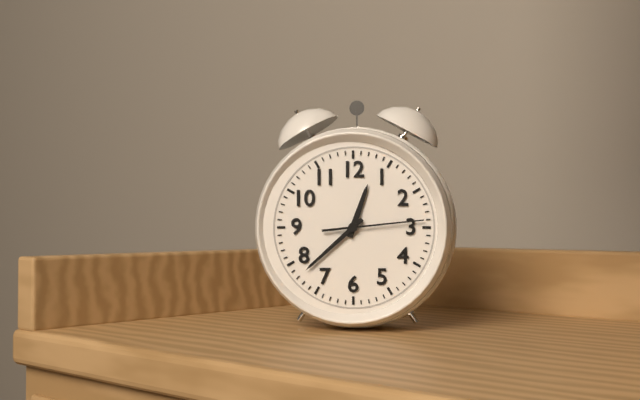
12:38:14
